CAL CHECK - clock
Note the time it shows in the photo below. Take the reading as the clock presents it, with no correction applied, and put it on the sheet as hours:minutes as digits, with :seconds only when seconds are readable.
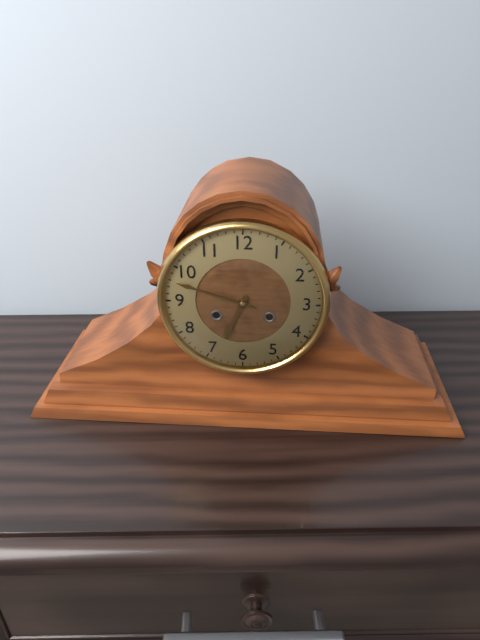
6:48
